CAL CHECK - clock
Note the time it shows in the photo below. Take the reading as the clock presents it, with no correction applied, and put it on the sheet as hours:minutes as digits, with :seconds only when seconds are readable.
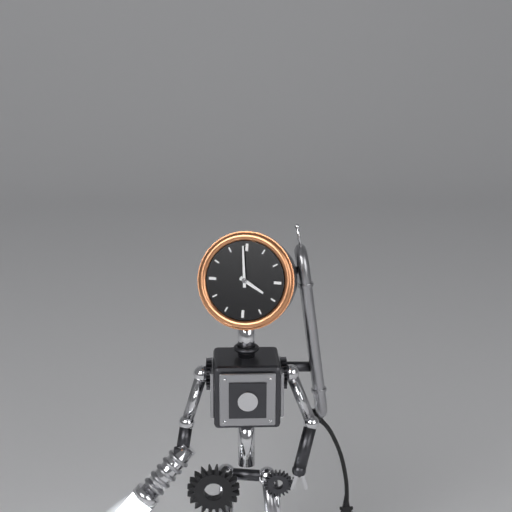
3:59
